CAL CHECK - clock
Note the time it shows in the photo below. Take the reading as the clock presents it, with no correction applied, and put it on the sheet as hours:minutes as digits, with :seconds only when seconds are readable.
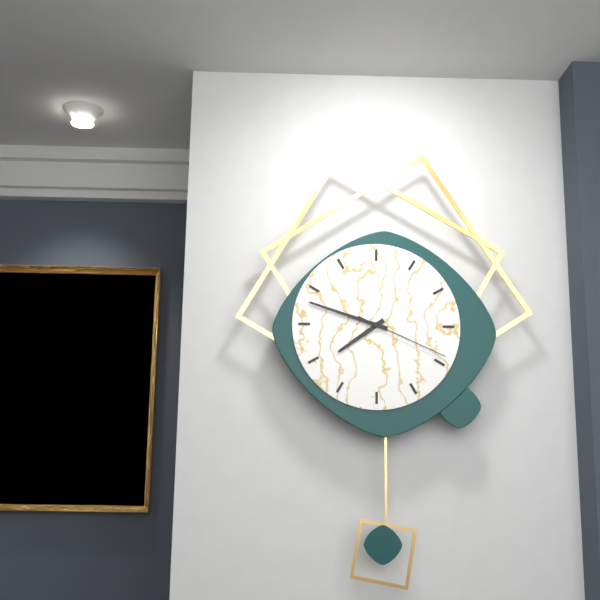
7:48:19
